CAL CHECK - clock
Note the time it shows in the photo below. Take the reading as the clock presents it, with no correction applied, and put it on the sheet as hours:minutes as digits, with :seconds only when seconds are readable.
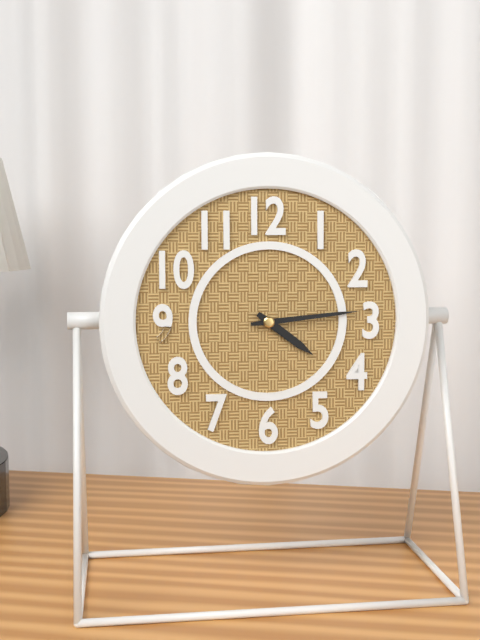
4:14
